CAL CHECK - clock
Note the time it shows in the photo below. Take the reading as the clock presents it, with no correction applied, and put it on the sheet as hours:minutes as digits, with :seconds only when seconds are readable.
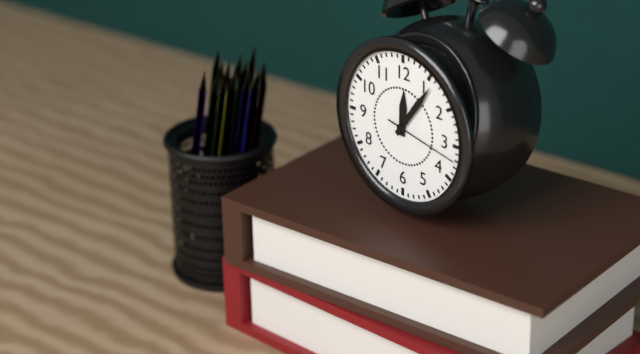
12:06:17
